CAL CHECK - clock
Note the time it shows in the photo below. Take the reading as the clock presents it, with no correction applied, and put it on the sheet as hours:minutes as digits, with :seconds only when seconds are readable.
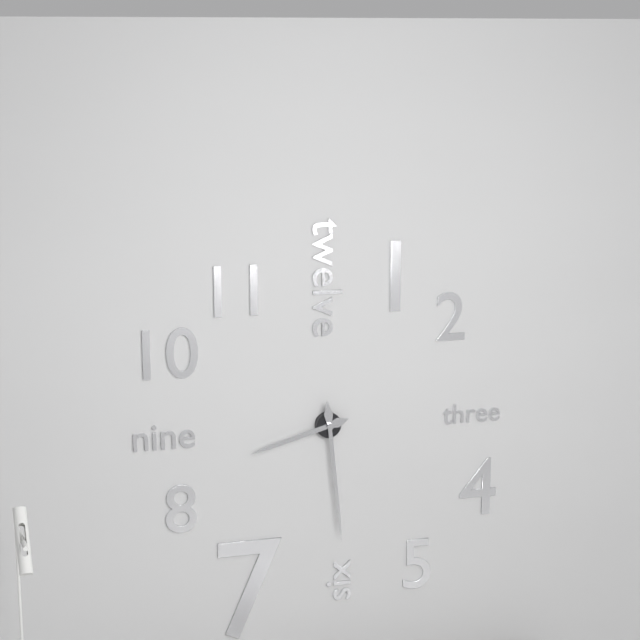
8:29
